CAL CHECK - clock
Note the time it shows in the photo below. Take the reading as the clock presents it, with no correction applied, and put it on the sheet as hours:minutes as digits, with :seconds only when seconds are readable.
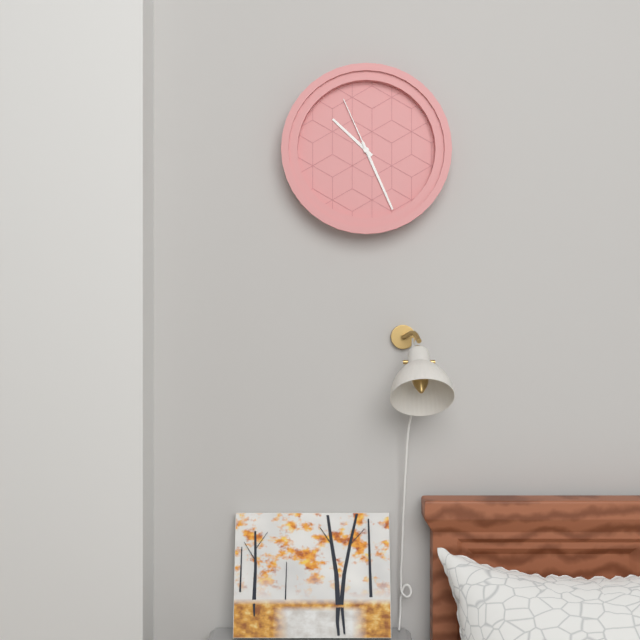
10:26:56
